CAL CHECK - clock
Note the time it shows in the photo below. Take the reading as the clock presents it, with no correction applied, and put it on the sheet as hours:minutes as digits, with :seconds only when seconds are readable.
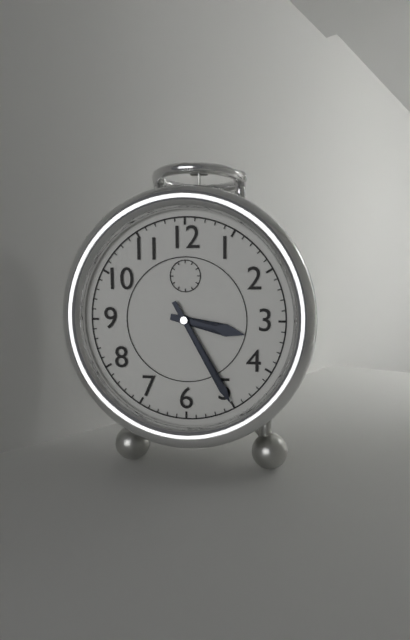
3:25
